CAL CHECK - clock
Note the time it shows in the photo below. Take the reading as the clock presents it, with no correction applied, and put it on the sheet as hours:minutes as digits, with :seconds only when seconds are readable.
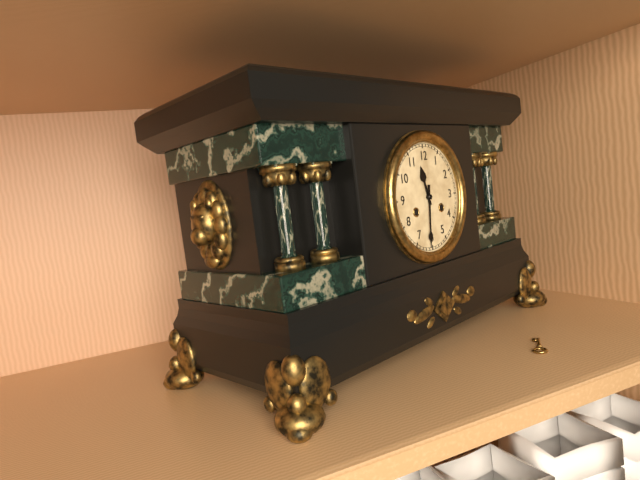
11:31
